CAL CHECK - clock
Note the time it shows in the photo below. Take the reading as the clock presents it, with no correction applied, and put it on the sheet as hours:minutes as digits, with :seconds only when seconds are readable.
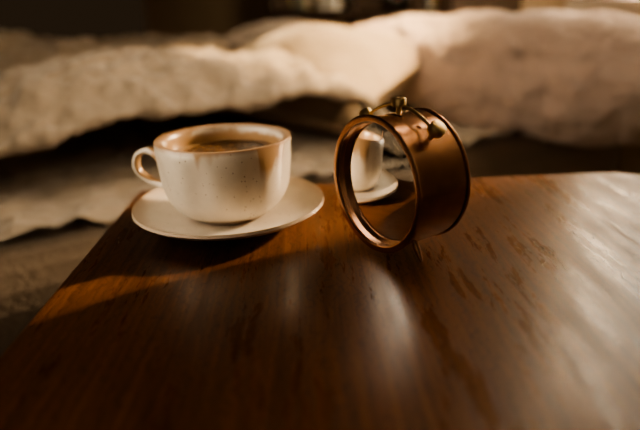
8:46:01
